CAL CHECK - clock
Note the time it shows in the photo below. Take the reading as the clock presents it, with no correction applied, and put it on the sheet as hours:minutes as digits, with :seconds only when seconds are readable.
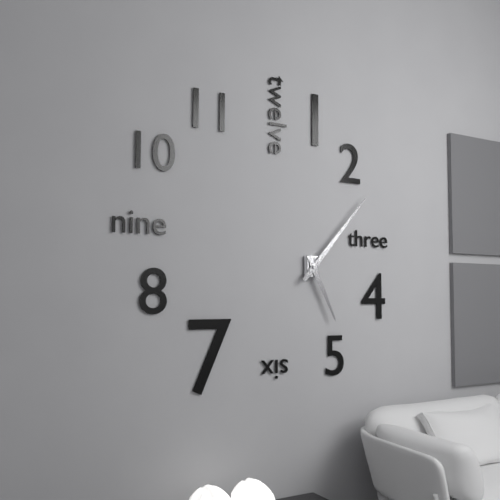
5:07
